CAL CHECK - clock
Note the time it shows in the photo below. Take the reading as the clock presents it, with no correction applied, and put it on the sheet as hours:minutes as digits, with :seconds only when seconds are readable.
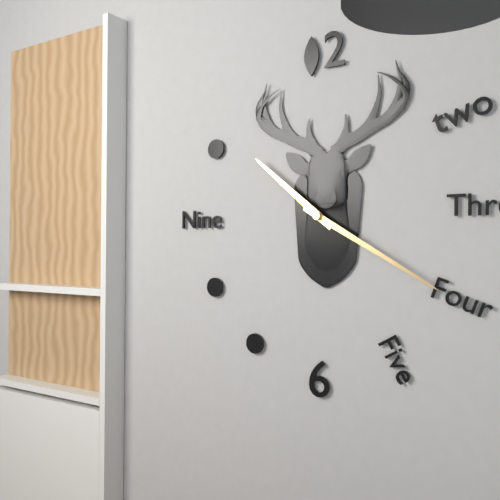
10:20
